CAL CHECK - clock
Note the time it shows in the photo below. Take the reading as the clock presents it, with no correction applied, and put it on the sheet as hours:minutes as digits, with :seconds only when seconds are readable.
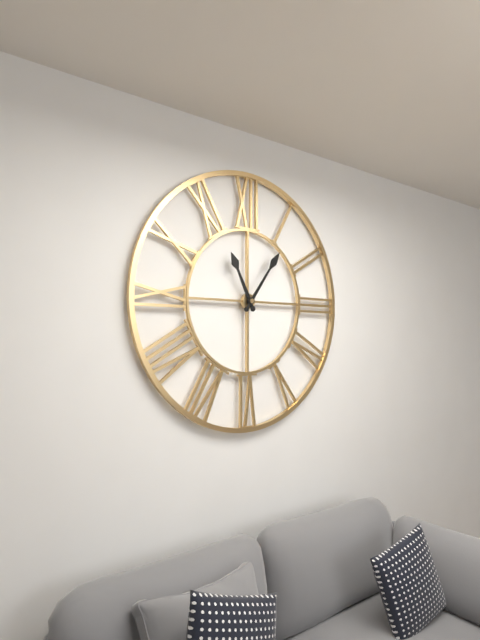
11:06
